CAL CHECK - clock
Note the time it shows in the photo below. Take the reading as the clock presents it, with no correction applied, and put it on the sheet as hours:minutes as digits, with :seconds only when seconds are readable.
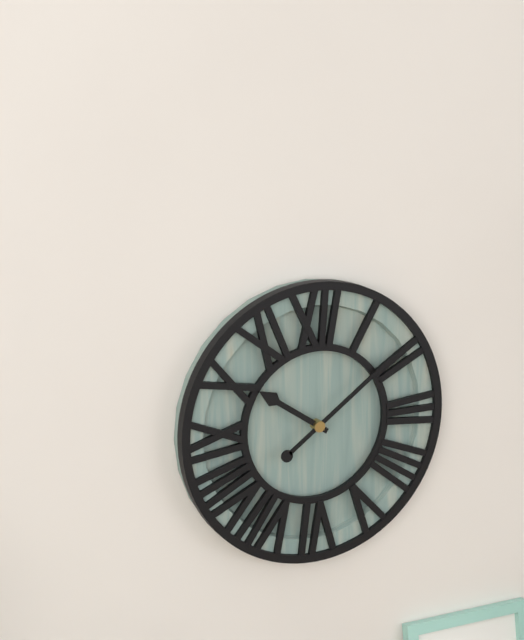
10:09
